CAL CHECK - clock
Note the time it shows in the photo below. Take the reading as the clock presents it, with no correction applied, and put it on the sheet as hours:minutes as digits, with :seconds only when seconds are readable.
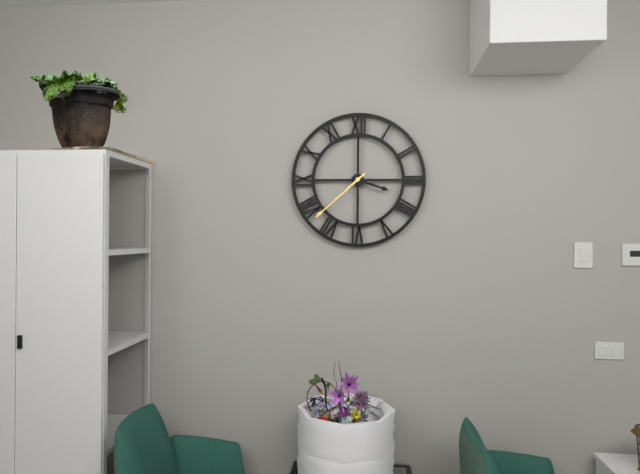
3:38
